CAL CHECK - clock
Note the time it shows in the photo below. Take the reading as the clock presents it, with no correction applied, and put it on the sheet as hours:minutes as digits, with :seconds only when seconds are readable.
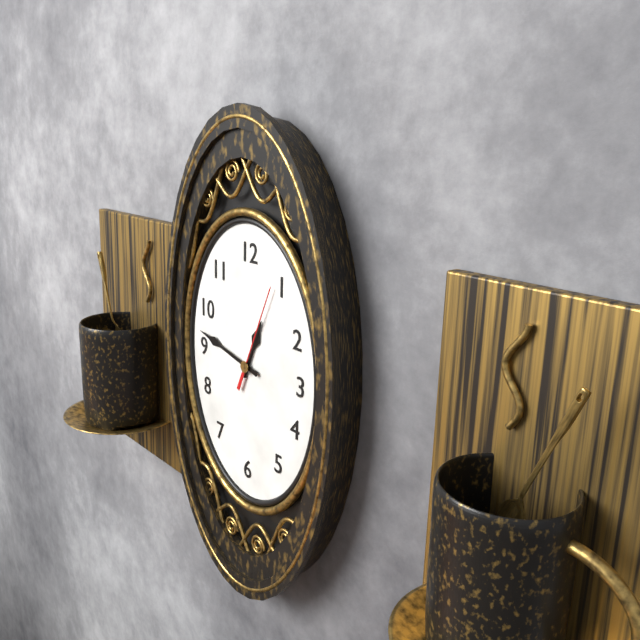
12:47:04
